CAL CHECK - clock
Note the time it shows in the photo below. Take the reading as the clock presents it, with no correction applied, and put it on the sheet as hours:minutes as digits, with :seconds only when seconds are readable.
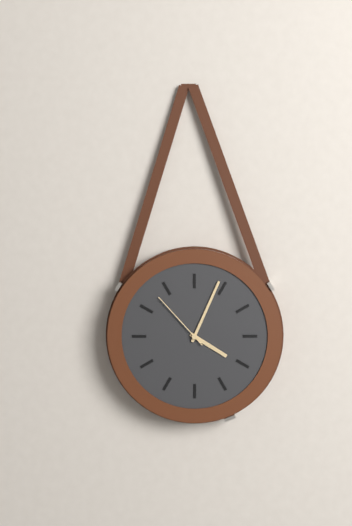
4:04:53
